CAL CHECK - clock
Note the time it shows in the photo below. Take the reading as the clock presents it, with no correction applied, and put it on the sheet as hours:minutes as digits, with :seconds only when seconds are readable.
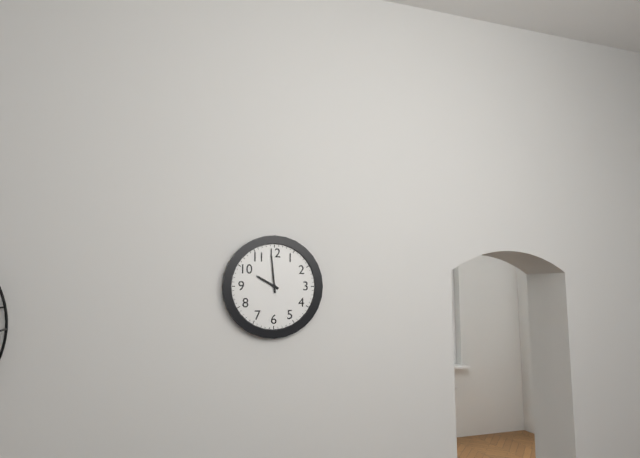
9:59
